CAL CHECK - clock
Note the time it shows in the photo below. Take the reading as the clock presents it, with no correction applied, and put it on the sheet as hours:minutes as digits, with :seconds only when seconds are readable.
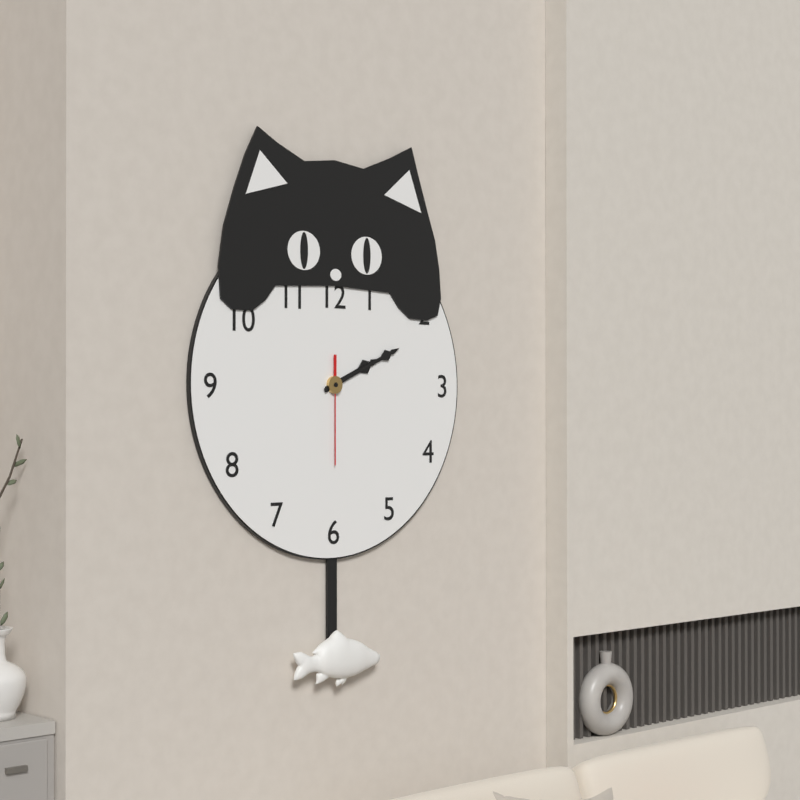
2:11:30
